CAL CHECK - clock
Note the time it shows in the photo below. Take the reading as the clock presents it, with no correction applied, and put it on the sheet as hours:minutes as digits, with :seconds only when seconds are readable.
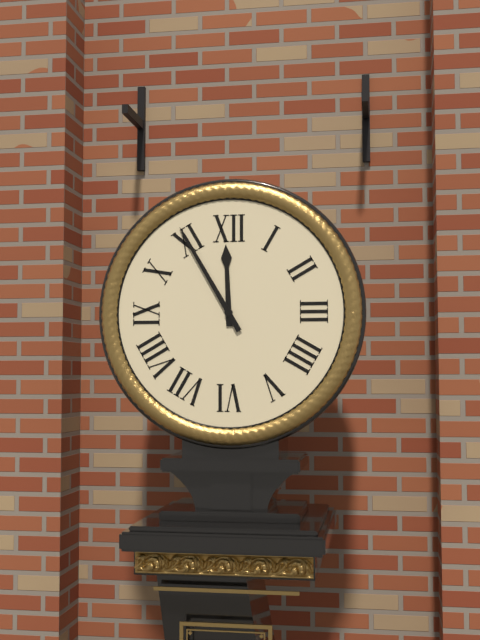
11:55
